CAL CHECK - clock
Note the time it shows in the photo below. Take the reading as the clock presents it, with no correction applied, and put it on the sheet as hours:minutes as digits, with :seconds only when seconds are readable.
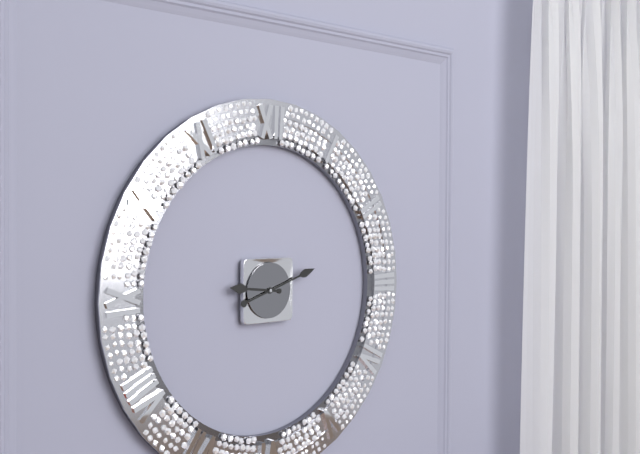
9:12
